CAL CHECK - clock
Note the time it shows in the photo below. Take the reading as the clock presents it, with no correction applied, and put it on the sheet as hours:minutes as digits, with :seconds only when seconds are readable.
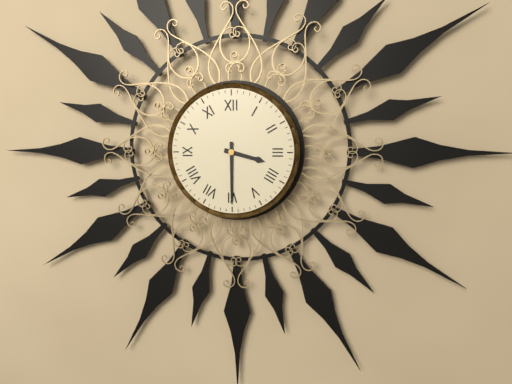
3:30
